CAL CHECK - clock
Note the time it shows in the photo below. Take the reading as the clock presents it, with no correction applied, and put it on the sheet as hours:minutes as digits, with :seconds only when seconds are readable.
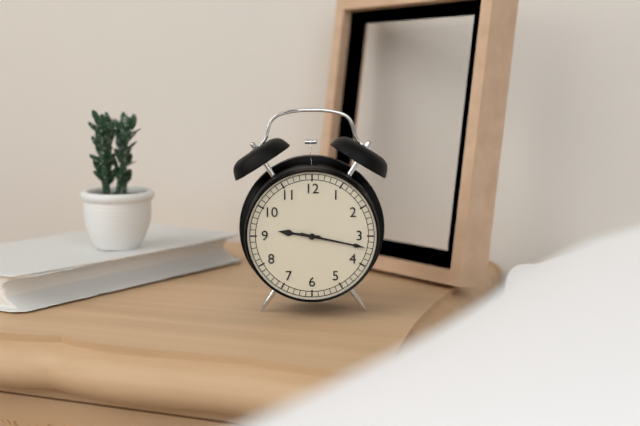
9:17
